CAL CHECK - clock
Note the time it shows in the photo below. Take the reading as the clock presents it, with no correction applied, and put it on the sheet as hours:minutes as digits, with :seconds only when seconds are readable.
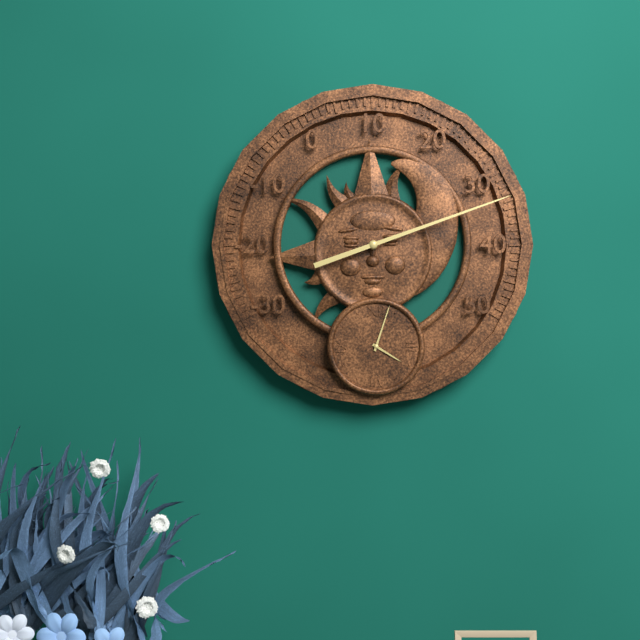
4:03
